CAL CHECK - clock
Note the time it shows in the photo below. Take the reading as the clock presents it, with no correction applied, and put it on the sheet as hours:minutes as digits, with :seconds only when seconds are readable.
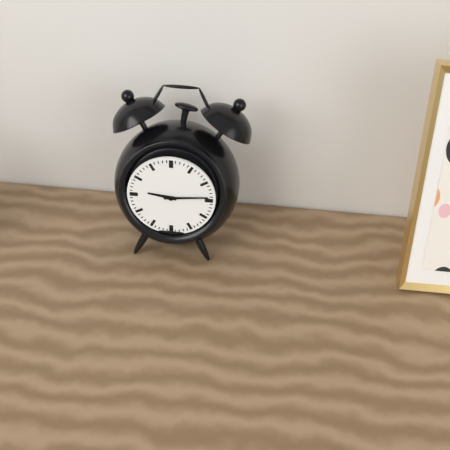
9:14
